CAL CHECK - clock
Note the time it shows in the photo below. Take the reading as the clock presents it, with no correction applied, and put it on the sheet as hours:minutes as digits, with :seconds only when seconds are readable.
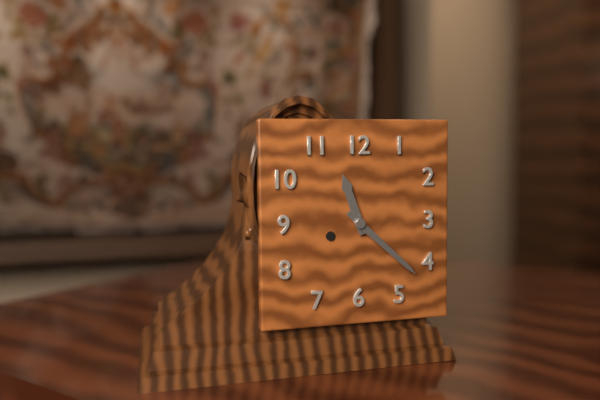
11:22
